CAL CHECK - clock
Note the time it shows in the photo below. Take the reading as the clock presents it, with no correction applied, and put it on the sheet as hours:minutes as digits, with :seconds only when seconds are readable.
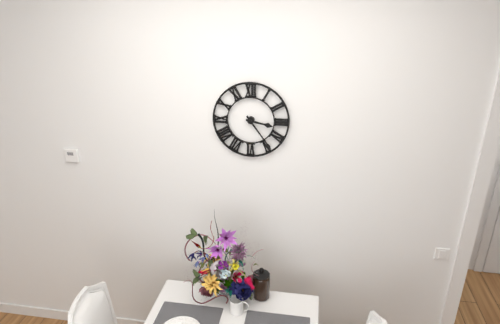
3:24
